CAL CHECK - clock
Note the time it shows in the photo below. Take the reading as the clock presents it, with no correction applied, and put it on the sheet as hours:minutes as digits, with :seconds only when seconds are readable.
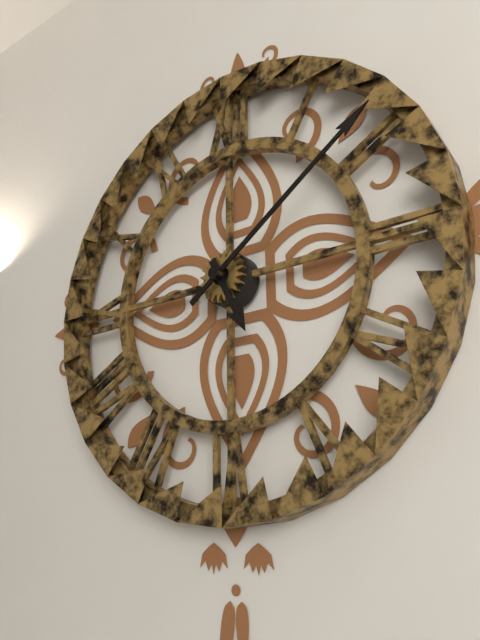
5:09
